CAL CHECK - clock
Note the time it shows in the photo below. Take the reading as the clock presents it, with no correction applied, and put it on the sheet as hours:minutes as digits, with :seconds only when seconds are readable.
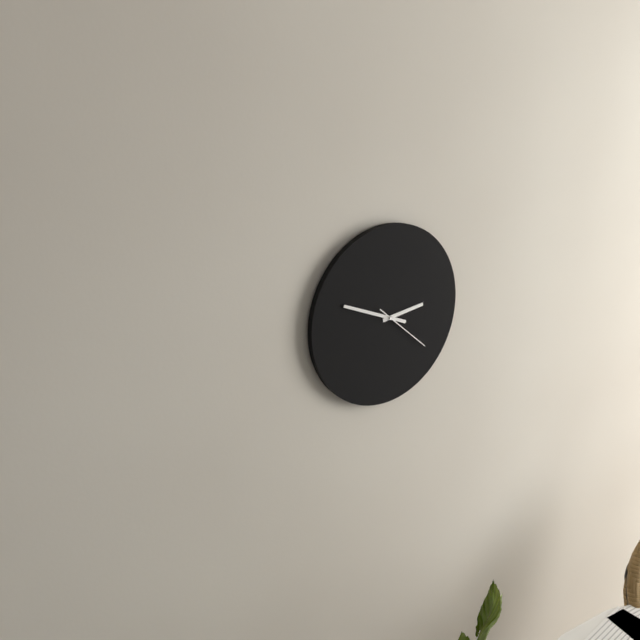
2:49:22
